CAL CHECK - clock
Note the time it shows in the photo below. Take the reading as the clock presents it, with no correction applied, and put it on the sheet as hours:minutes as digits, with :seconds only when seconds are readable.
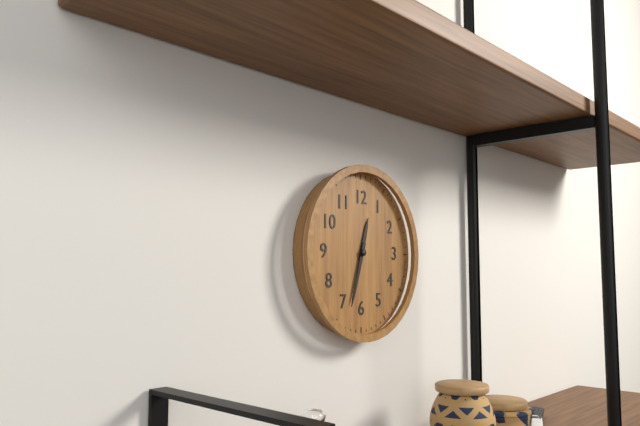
12:33
